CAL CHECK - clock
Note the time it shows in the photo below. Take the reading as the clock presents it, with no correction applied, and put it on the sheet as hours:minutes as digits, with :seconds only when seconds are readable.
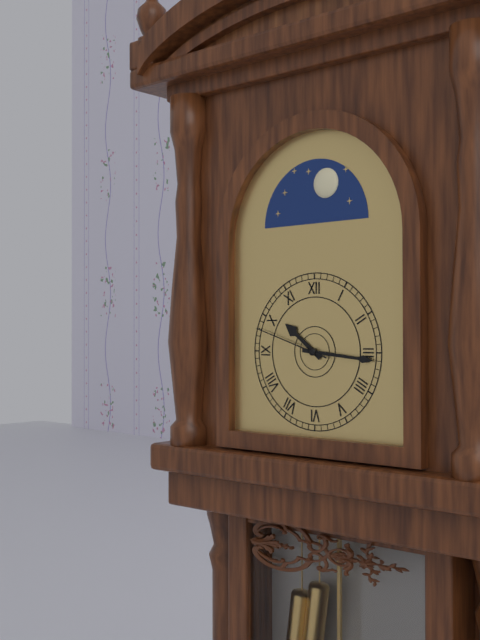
10:16:48
